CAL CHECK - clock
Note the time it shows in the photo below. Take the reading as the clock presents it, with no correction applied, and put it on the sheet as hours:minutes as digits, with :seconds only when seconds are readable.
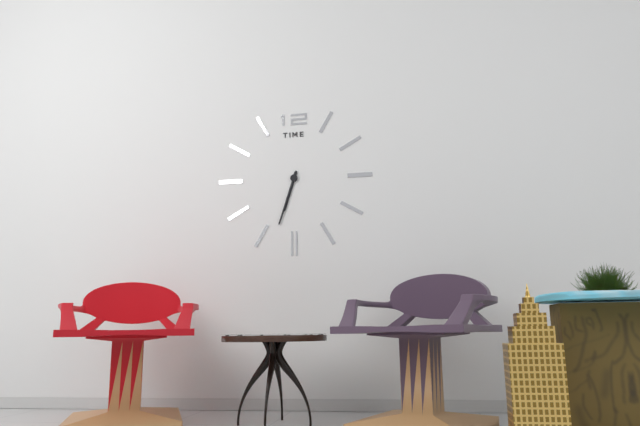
6:33
